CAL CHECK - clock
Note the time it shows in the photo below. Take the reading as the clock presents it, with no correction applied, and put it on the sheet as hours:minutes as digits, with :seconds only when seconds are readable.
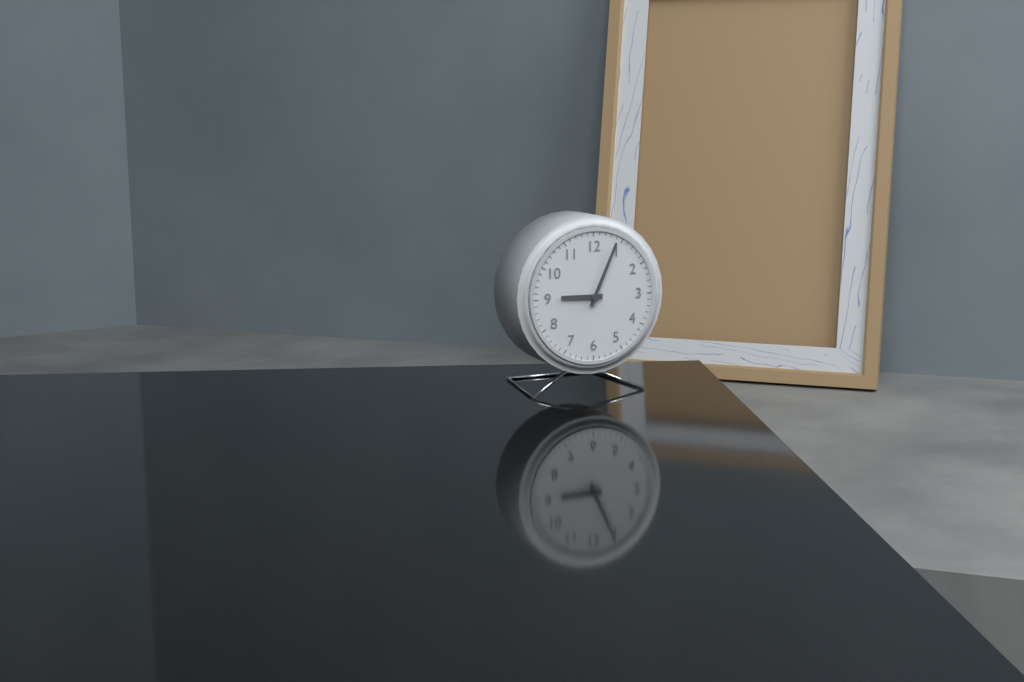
9:04
